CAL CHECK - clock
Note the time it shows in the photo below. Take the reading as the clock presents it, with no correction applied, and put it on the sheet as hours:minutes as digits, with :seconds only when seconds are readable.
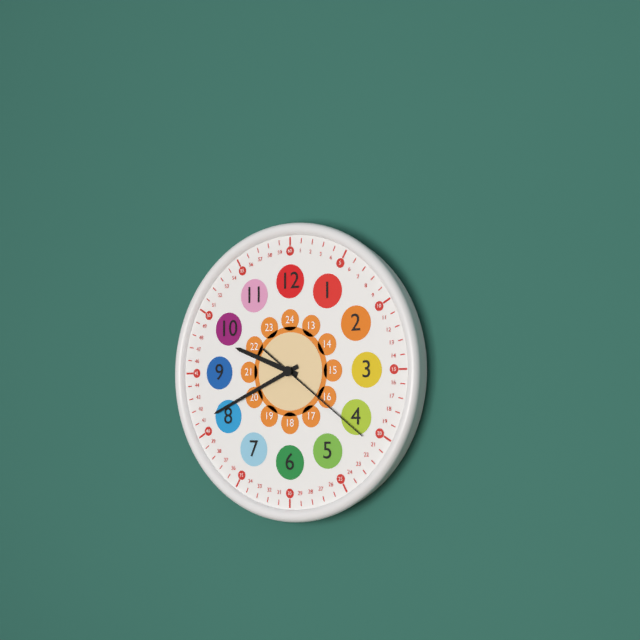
9:41:21
